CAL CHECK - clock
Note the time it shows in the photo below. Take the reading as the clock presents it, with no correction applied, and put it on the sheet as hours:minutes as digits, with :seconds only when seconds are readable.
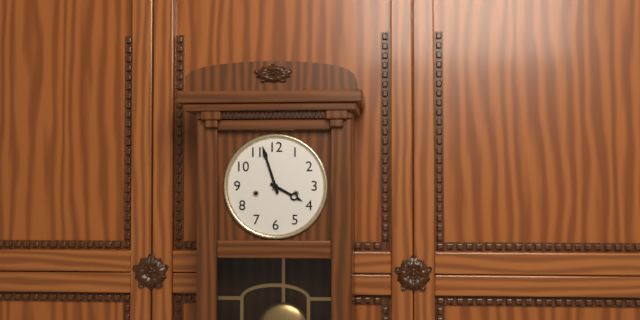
3:57
